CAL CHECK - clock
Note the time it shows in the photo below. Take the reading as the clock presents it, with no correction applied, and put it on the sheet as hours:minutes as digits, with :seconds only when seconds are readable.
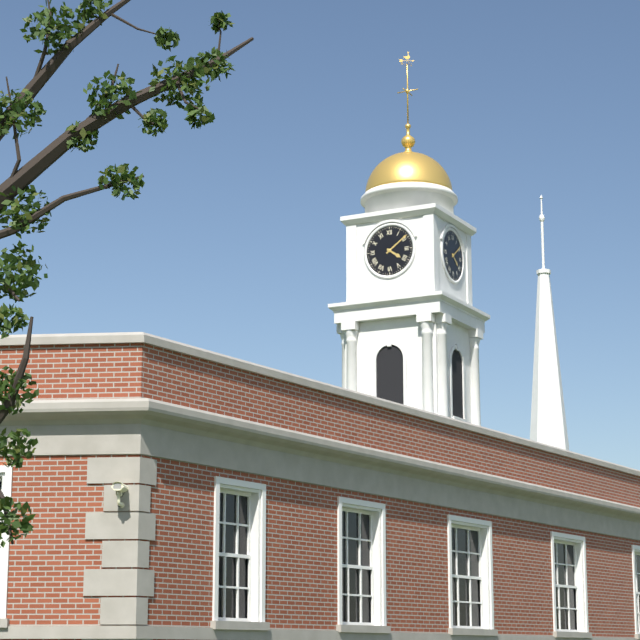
4:09
